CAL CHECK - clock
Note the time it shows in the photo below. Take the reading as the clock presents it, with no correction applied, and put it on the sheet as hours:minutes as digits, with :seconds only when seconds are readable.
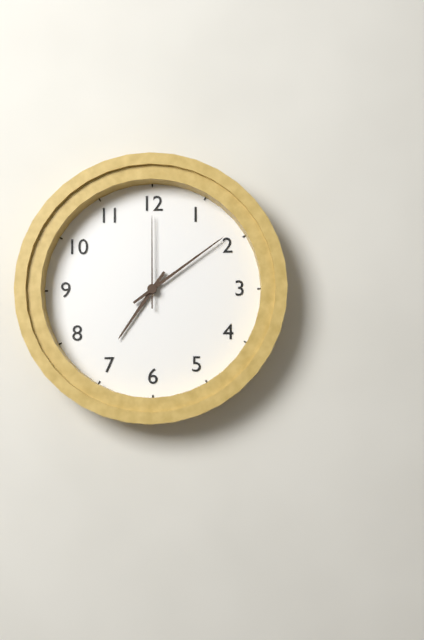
7:09:00
